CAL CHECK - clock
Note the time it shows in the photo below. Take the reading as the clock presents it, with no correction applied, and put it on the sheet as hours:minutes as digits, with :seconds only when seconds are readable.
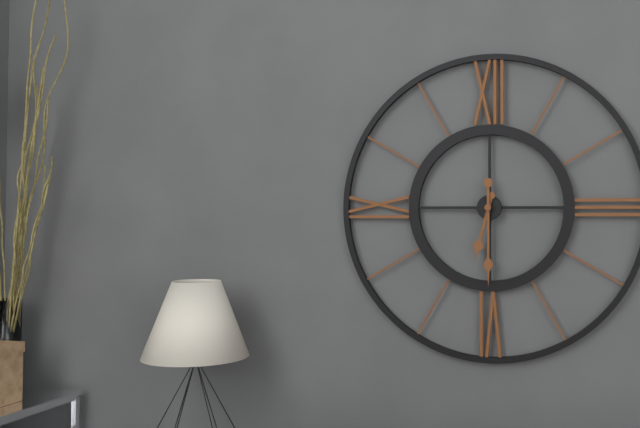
6:30
